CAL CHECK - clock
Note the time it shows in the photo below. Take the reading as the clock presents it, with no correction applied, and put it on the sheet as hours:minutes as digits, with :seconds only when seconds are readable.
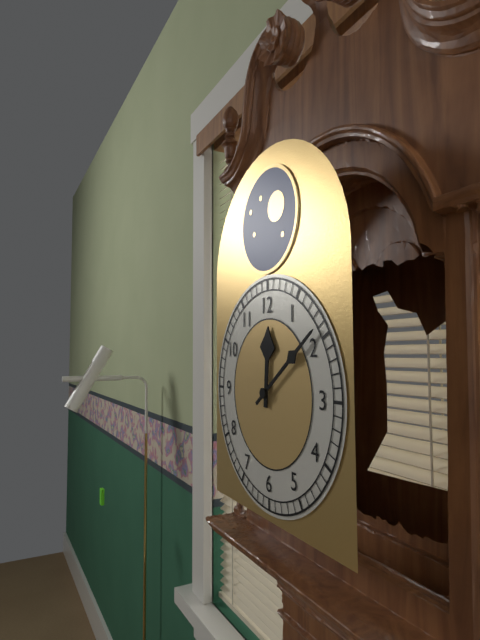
12:09
